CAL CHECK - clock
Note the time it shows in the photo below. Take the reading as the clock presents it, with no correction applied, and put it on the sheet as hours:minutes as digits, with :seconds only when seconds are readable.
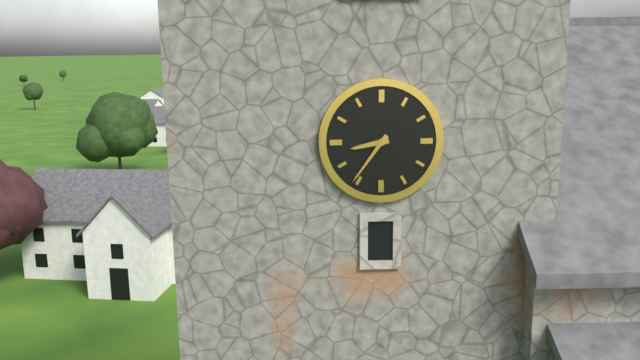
8:36
